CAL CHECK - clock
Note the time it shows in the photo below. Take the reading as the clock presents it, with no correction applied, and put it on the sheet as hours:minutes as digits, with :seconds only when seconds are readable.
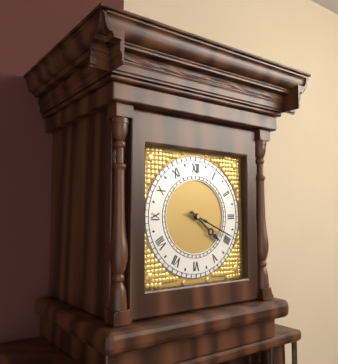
4:19
